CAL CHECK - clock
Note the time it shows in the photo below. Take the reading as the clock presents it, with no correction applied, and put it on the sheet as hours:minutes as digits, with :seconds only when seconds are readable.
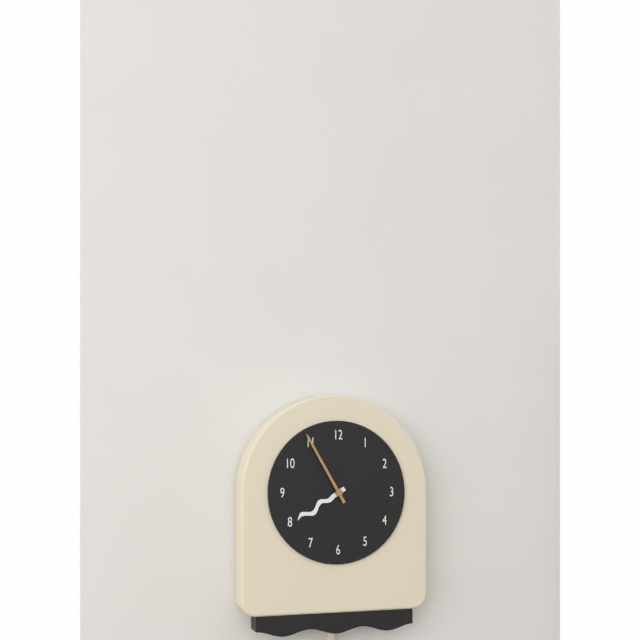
7:55
